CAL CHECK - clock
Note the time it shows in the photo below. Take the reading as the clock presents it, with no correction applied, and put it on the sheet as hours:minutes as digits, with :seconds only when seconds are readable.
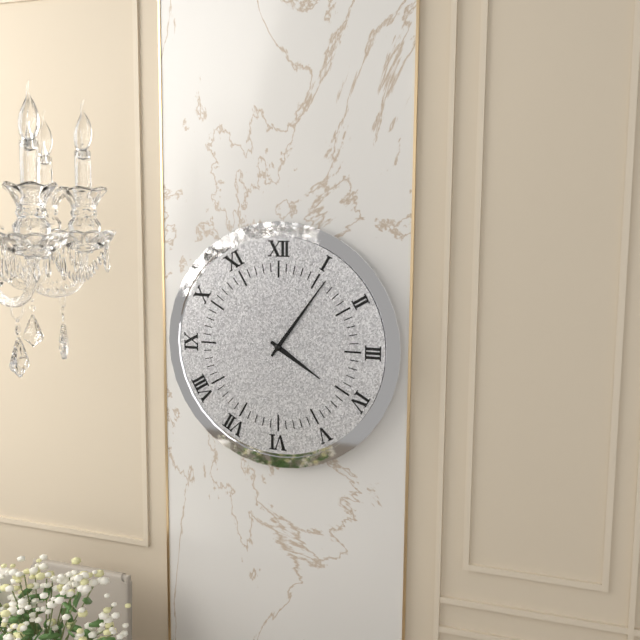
4:06
